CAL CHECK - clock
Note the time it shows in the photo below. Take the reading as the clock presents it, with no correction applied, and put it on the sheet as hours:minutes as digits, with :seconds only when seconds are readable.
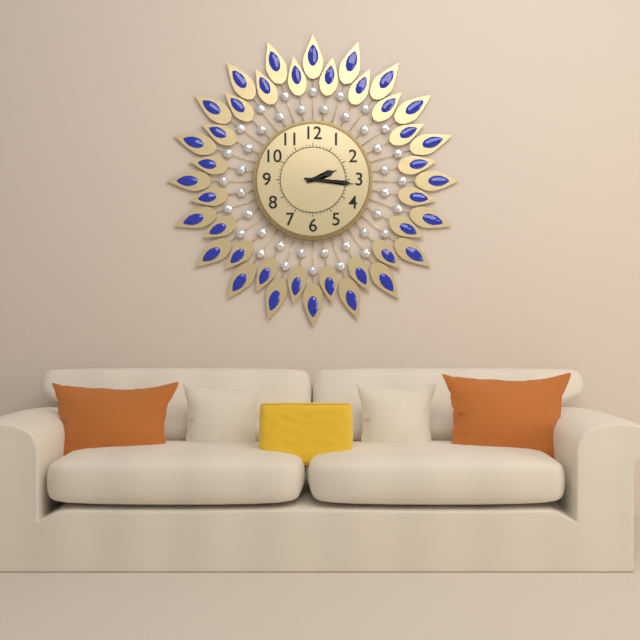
2:16
